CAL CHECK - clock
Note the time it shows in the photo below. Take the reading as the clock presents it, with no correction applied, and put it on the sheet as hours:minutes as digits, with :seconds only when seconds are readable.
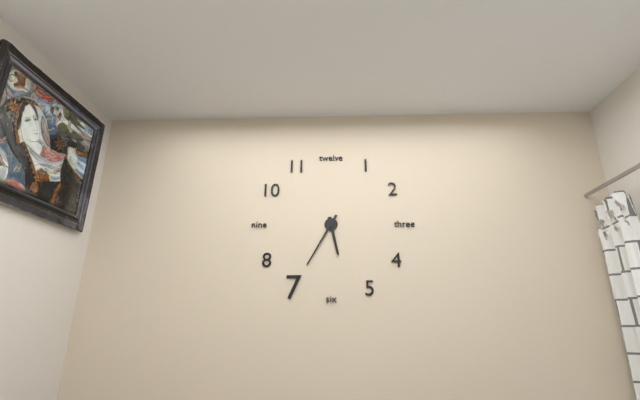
5:35
